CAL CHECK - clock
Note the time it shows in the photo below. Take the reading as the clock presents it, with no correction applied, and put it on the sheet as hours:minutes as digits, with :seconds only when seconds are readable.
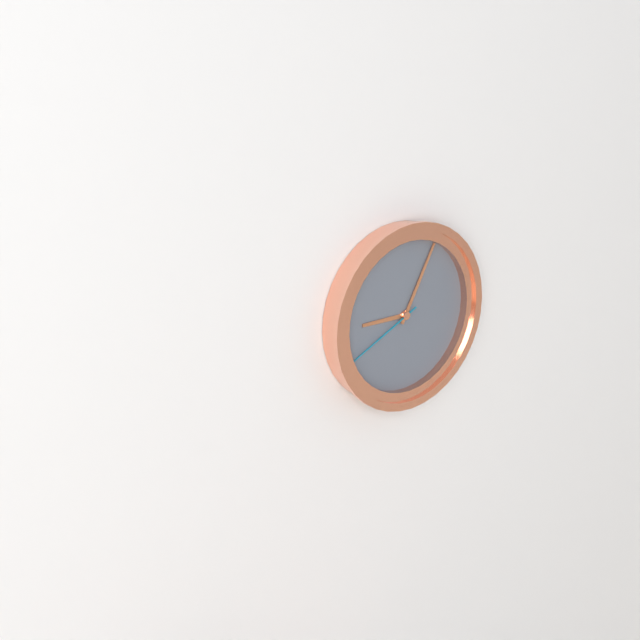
9:05:41
